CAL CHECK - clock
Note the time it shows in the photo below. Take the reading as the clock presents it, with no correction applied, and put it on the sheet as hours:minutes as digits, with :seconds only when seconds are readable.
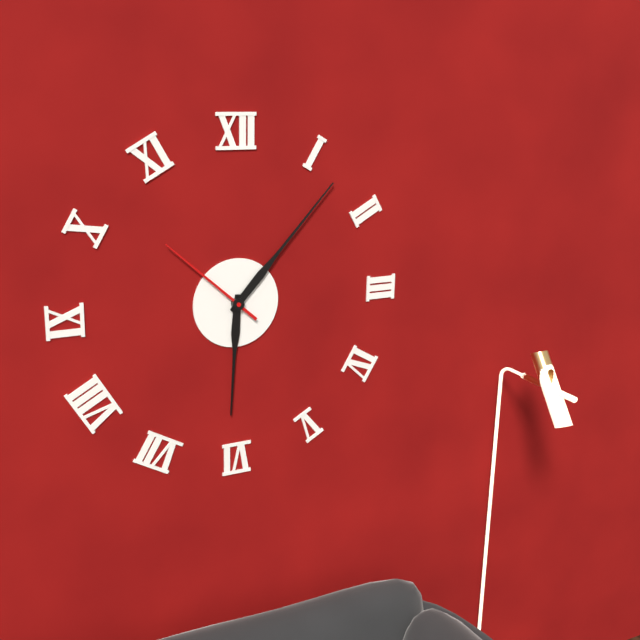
6:07:52
